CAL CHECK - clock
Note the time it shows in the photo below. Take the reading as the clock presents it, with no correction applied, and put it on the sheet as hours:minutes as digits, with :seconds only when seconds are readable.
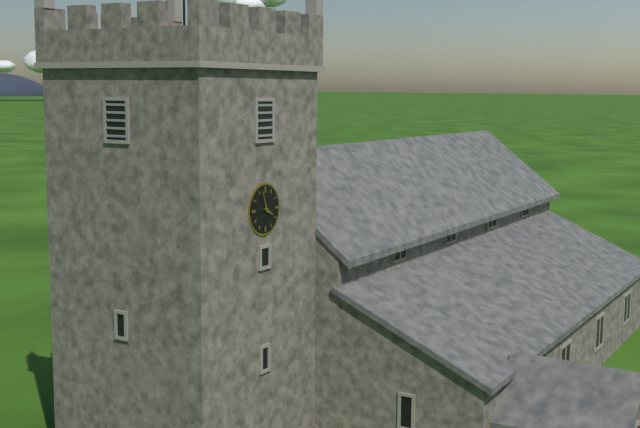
3:57
